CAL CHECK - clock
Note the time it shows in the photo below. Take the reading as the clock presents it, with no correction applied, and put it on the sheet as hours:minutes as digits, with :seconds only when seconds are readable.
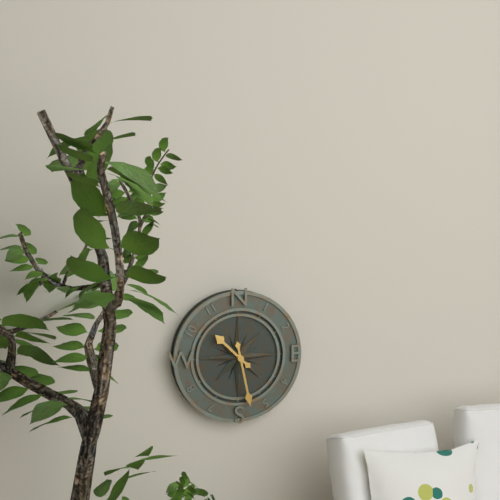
10:28
